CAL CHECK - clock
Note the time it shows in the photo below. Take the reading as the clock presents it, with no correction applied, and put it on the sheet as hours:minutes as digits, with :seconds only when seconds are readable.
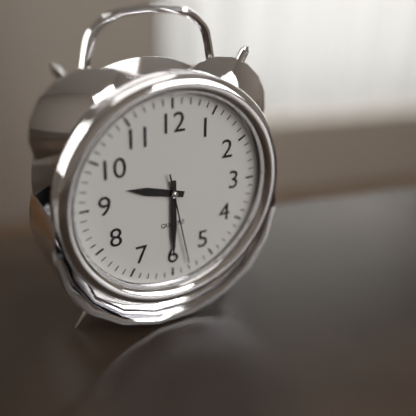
9:30:28
